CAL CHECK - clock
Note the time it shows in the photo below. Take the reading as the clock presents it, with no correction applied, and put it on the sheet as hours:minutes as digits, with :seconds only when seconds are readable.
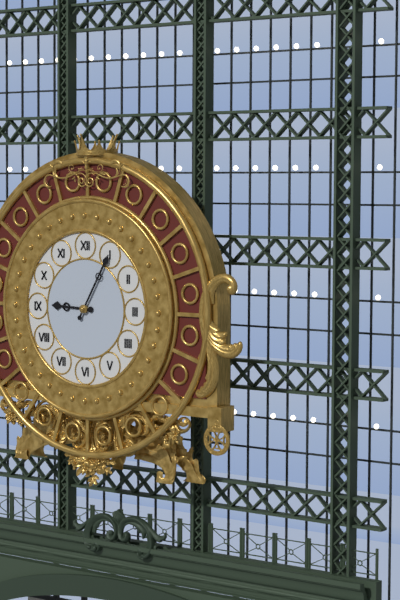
9:05
